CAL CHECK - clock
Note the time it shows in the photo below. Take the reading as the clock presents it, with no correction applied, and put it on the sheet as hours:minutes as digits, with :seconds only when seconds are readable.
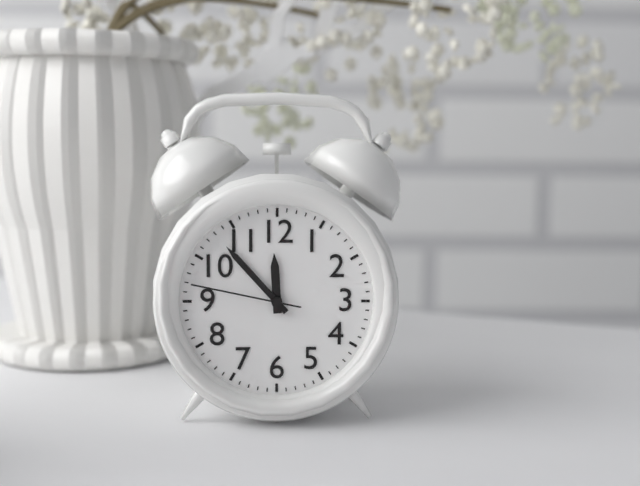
11:53:47
